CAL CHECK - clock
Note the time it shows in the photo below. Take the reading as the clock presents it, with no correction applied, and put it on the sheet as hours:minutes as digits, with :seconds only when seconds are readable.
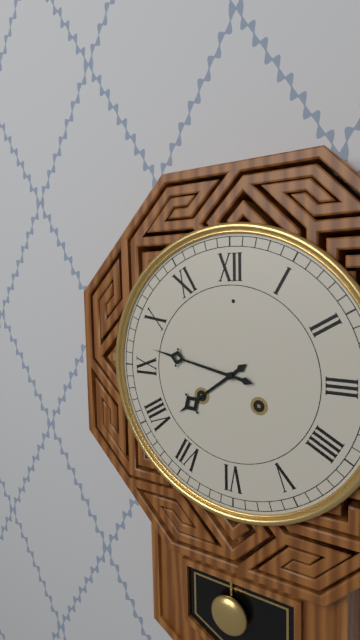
7:47
